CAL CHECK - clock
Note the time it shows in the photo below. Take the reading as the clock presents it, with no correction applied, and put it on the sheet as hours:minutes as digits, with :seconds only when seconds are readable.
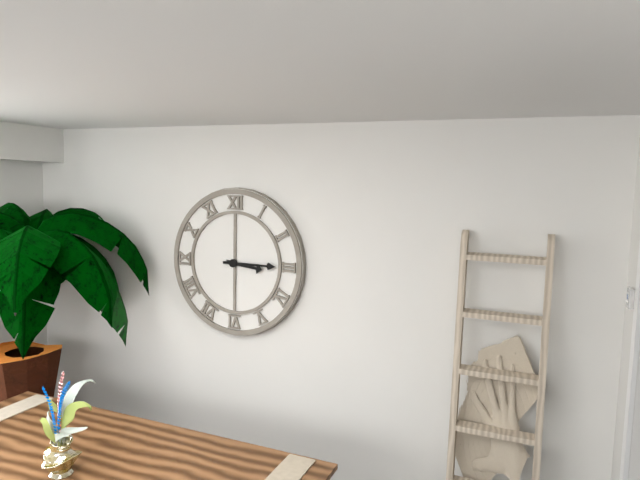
3:15
